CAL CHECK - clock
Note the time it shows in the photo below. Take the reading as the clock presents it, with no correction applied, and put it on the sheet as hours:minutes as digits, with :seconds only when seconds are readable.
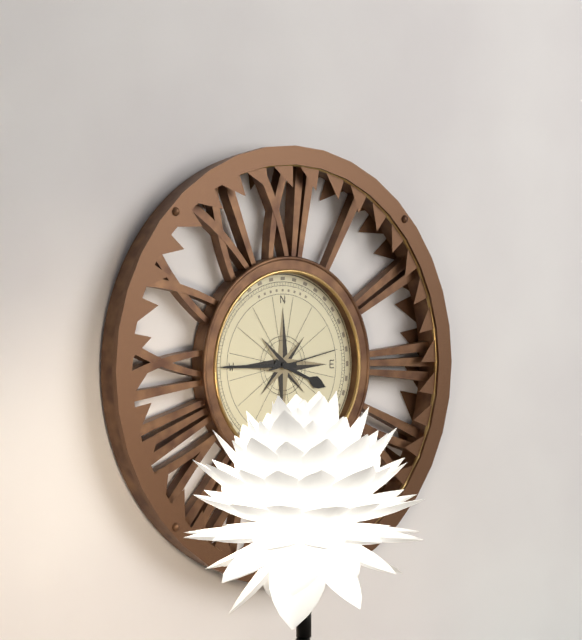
3:45:13
